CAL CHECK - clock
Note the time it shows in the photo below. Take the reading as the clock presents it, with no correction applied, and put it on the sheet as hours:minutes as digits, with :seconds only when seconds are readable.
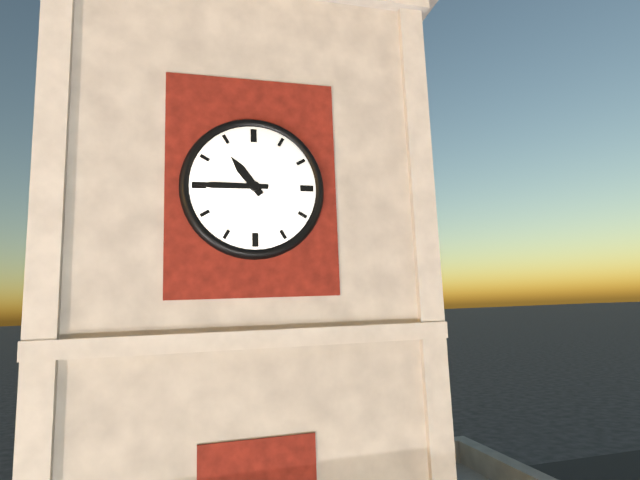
10:45
